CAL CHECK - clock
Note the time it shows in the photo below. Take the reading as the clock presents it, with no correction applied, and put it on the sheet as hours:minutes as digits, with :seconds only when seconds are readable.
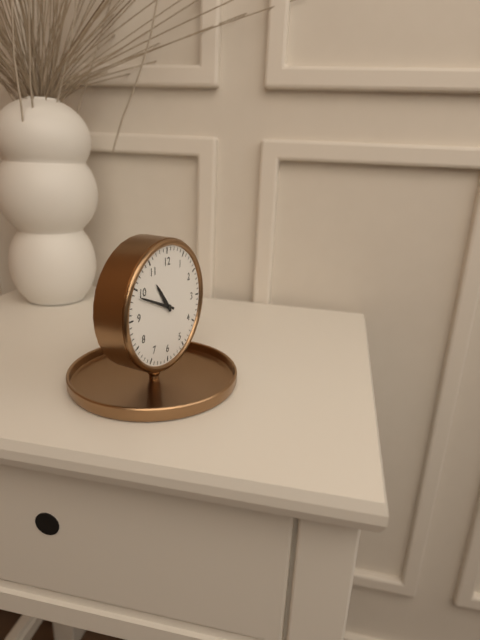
10:49
